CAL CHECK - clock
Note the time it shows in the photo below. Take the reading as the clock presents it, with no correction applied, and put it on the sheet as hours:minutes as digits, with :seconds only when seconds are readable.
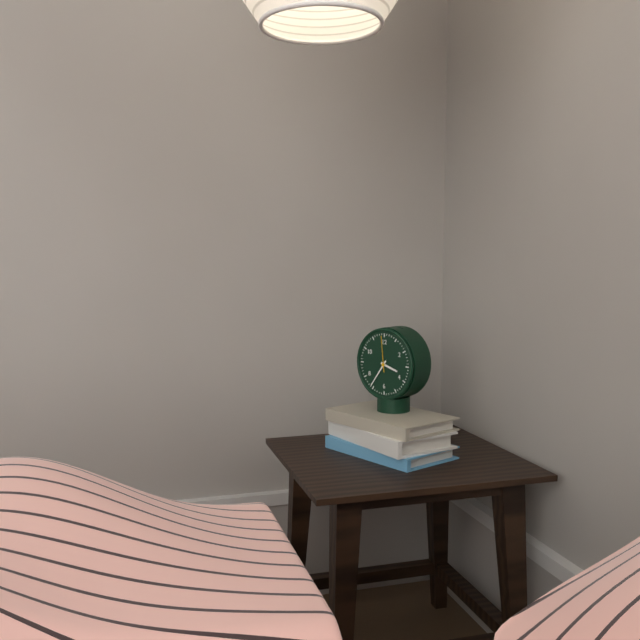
3:36
